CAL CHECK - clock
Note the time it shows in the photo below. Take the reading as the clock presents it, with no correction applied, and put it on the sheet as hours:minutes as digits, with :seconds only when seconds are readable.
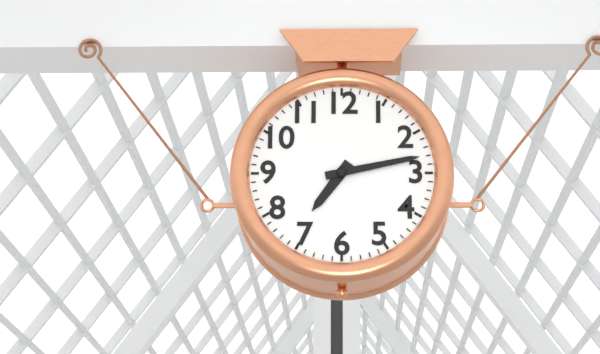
7:13
